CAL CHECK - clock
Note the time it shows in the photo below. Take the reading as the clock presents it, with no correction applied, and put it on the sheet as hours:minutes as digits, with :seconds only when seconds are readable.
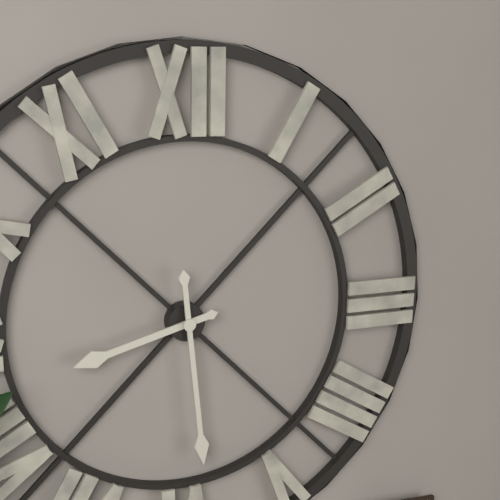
8:29
